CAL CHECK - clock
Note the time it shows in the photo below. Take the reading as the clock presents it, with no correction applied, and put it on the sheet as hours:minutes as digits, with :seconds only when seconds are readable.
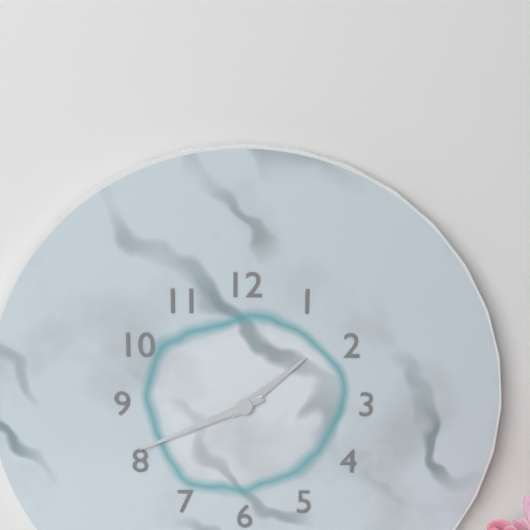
1:41
